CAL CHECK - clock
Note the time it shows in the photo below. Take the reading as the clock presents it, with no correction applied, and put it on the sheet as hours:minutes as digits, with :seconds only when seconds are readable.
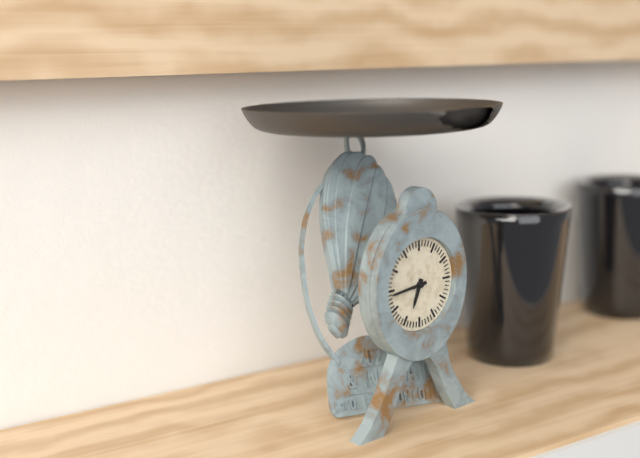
6:44
